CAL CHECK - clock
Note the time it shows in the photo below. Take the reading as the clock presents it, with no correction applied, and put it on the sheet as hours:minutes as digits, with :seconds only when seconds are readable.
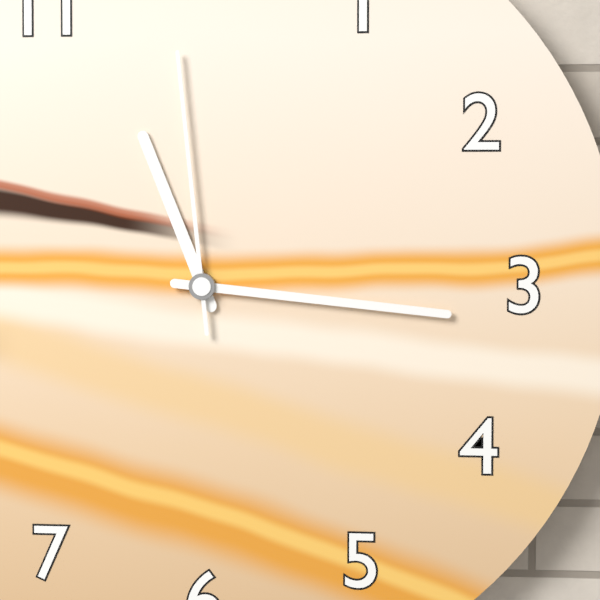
11:16:59
